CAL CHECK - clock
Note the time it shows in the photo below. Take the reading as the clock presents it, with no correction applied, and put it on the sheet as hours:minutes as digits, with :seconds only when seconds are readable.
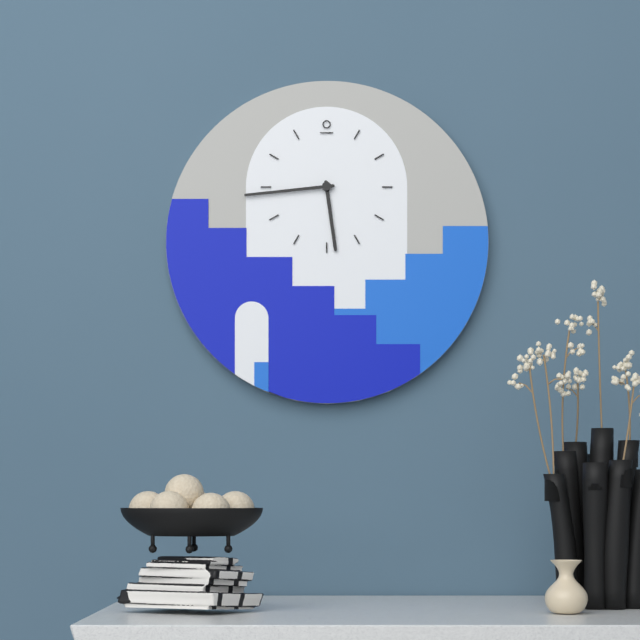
5:44
